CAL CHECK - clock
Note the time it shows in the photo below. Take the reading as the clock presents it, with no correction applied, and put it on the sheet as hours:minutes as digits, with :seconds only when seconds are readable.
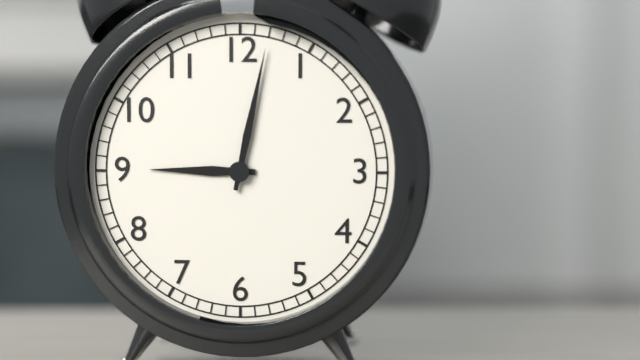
9:02
